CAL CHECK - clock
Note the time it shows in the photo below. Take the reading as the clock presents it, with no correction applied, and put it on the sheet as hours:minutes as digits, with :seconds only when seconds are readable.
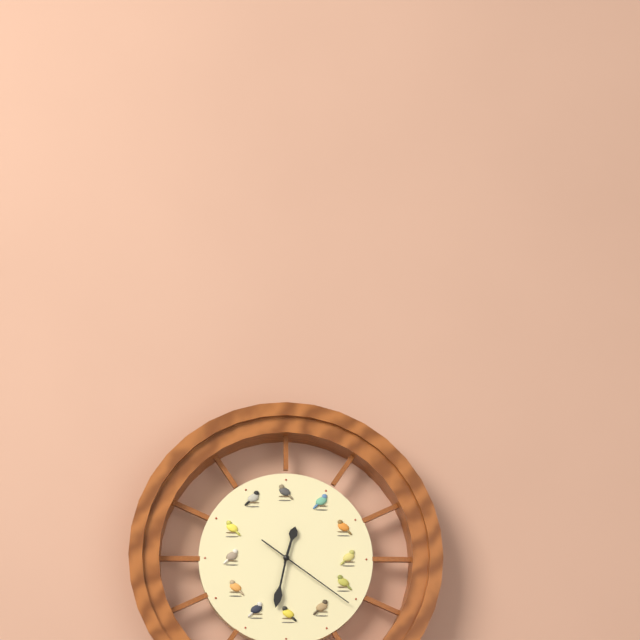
12:32:21
